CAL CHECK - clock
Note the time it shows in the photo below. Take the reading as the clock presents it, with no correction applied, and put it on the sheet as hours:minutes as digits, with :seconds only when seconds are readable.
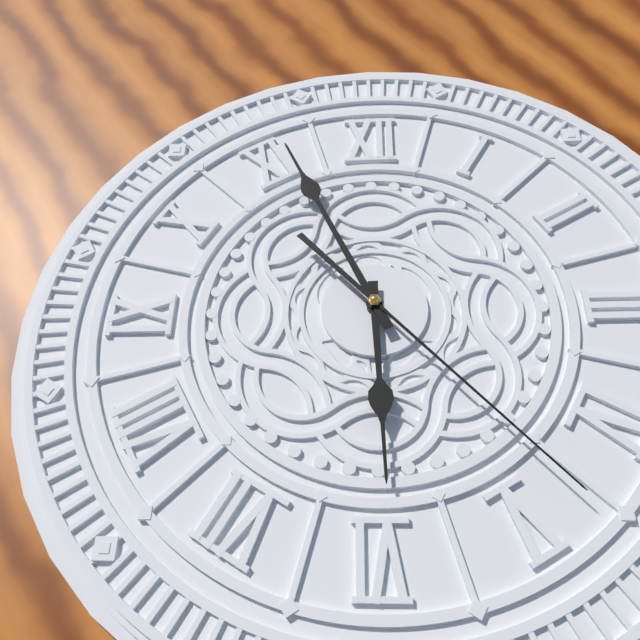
5:56:23
